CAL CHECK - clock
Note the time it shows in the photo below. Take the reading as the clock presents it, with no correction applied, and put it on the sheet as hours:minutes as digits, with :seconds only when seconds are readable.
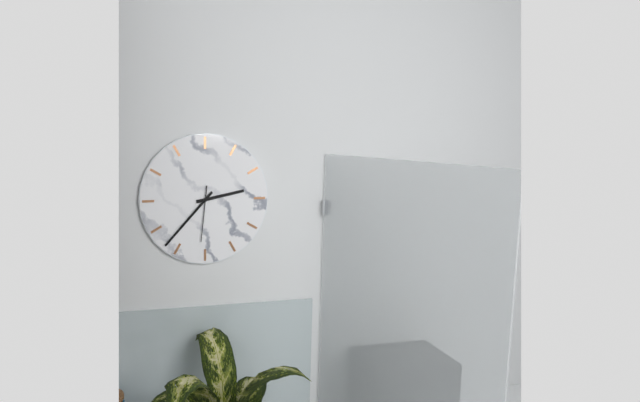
2:37:31
